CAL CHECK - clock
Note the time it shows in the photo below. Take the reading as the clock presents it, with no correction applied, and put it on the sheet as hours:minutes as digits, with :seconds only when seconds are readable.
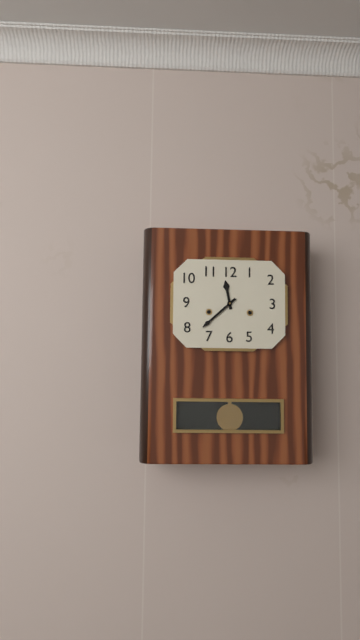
11:38
